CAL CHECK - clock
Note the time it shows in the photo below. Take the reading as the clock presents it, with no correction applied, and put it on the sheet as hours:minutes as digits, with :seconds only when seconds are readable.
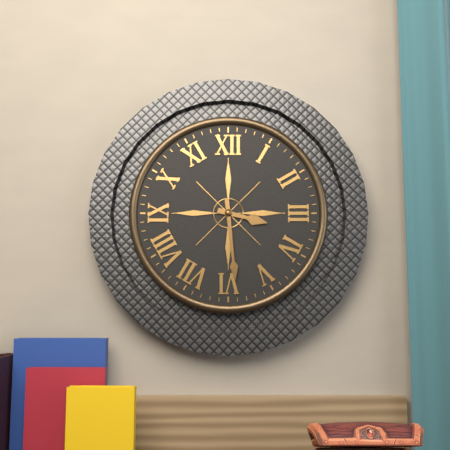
3:29
